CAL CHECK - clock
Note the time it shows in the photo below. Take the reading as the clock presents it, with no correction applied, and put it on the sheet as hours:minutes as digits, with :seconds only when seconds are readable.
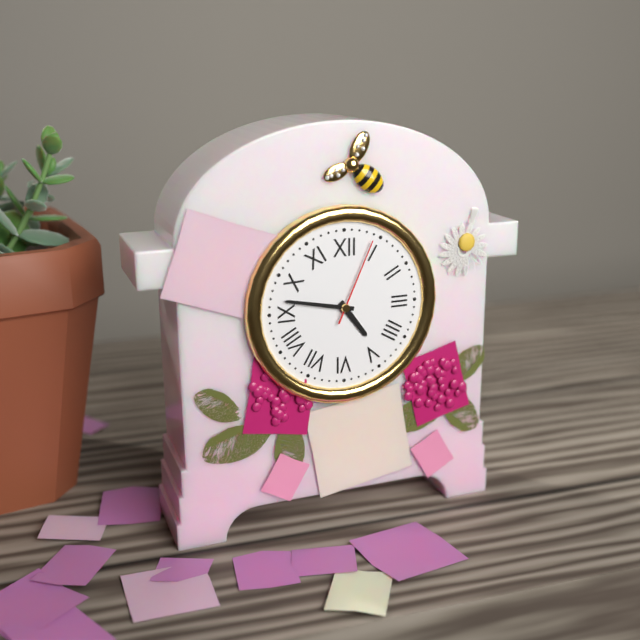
4:47:04
